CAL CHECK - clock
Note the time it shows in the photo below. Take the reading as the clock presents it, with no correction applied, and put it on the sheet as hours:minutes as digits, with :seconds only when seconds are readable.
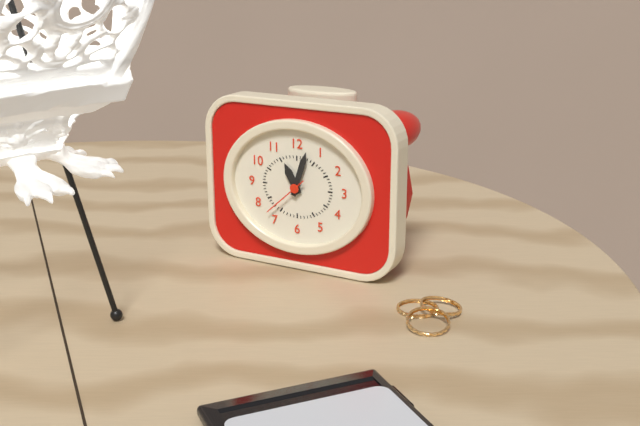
11:03
